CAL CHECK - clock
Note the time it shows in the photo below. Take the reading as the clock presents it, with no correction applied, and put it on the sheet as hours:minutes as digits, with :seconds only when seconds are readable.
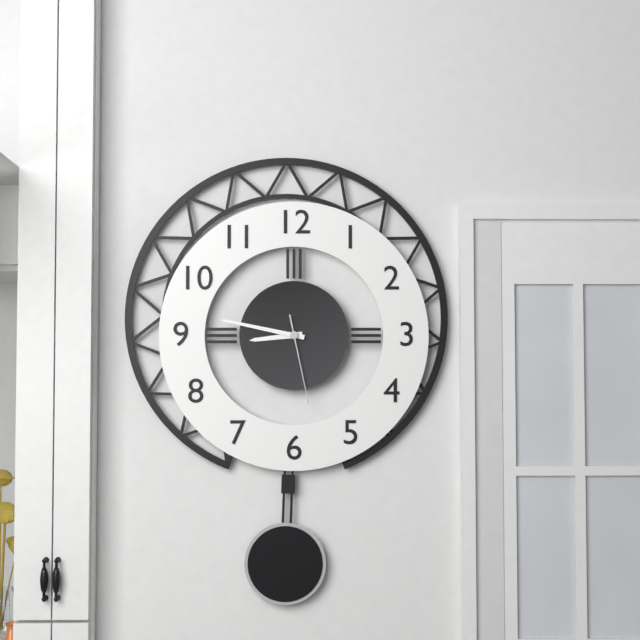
8:47:28
